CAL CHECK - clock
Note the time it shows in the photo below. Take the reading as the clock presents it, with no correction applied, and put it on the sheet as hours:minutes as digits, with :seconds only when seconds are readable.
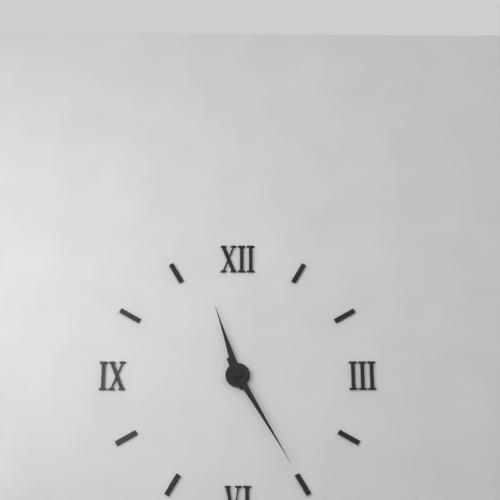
11:25
